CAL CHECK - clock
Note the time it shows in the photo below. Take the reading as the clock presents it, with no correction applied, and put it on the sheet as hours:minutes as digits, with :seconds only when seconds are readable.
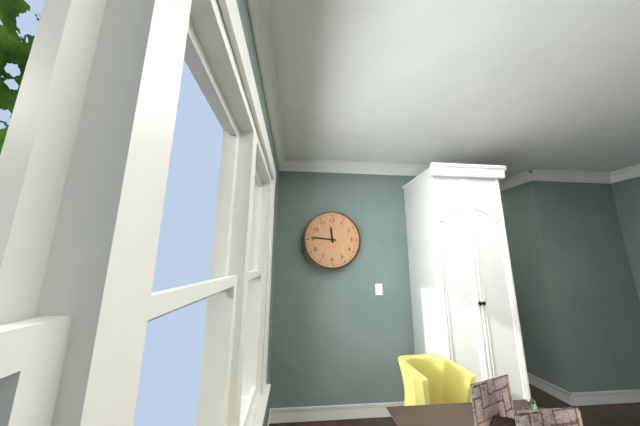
11:46
